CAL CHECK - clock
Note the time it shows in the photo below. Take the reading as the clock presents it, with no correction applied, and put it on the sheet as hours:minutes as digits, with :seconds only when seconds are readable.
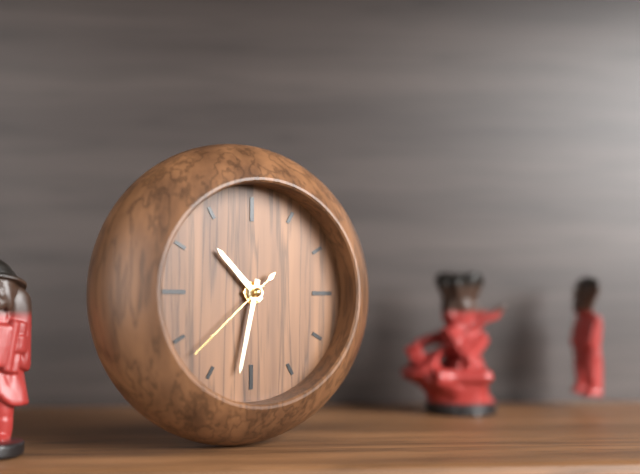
10:32:38
